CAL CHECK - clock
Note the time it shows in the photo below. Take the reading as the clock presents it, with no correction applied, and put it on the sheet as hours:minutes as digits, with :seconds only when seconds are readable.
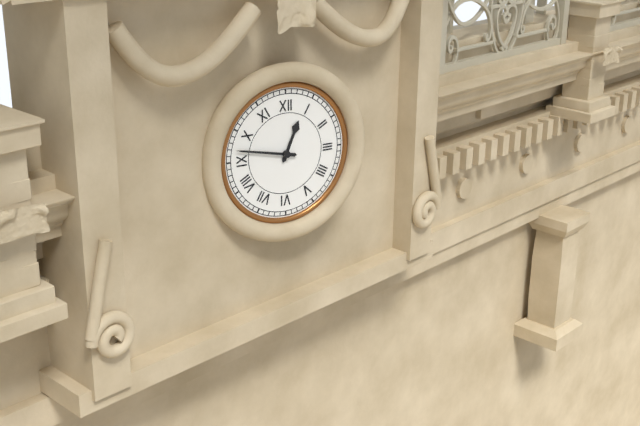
12:47
